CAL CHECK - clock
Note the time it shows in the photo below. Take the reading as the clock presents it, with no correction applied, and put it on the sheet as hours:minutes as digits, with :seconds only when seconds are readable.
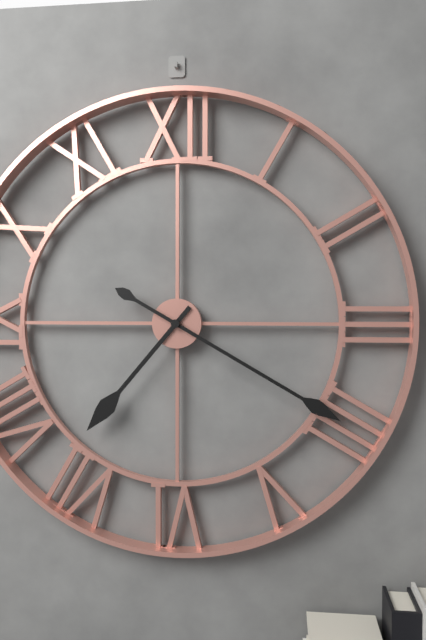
7:20
